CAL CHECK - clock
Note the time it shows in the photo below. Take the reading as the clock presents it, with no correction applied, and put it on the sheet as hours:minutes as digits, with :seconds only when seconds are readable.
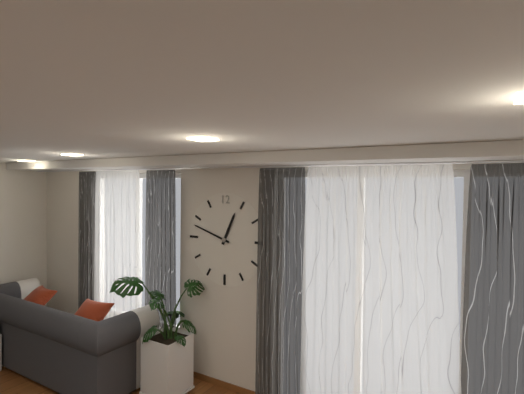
12:48
